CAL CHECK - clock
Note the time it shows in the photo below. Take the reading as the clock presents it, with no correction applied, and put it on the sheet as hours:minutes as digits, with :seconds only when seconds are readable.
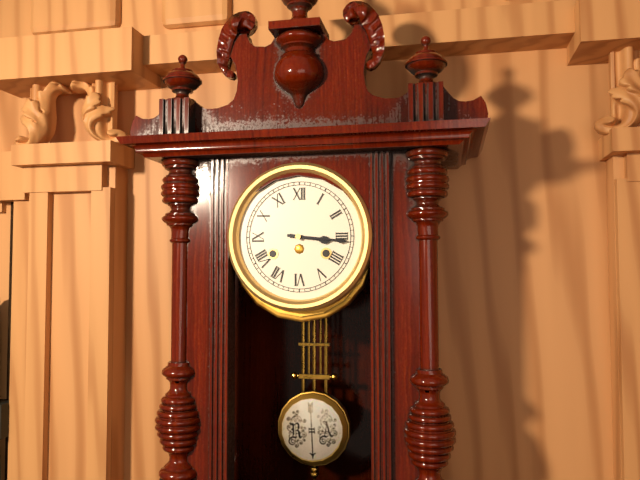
3:16
